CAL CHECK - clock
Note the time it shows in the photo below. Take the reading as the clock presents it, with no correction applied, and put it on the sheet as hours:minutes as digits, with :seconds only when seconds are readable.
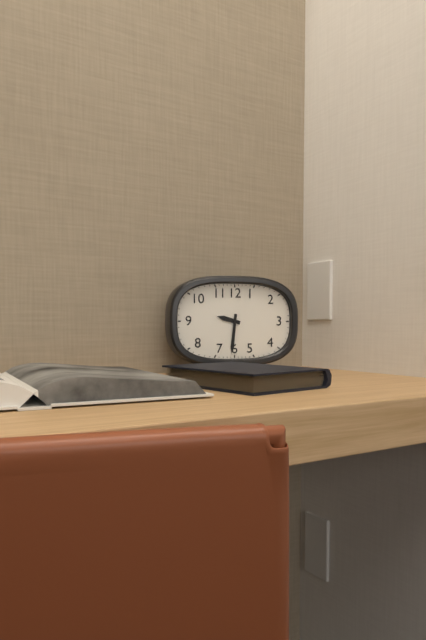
9:31
